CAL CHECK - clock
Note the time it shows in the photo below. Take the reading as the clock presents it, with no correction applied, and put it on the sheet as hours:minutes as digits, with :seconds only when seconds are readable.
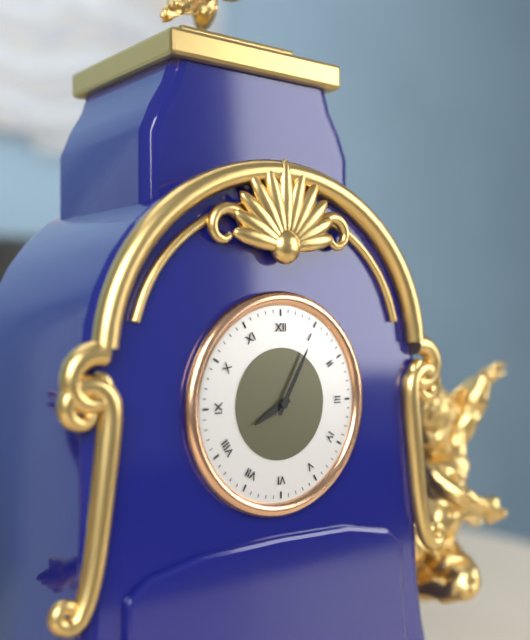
8:05
